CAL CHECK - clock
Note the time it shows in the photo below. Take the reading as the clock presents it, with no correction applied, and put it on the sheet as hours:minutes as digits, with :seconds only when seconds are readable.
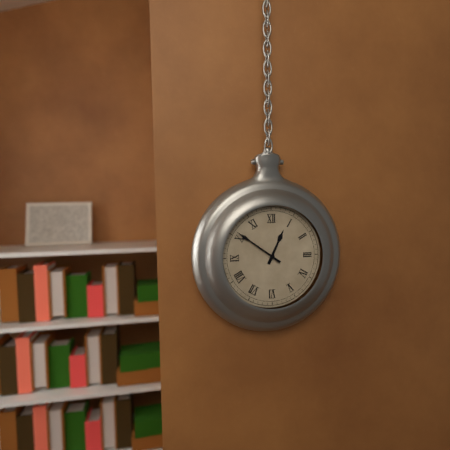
12:51
